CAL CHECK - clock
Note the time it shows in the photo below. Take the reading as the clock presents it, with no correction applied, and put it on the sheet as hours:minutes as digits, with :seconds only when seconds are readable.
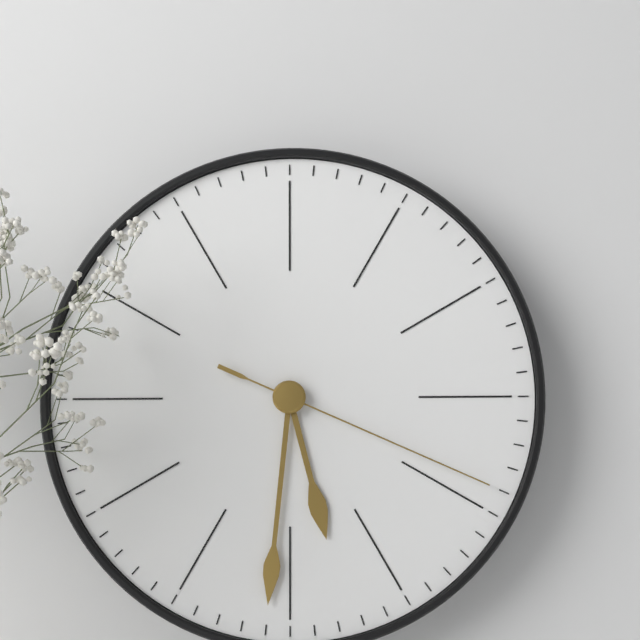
5:31:19
